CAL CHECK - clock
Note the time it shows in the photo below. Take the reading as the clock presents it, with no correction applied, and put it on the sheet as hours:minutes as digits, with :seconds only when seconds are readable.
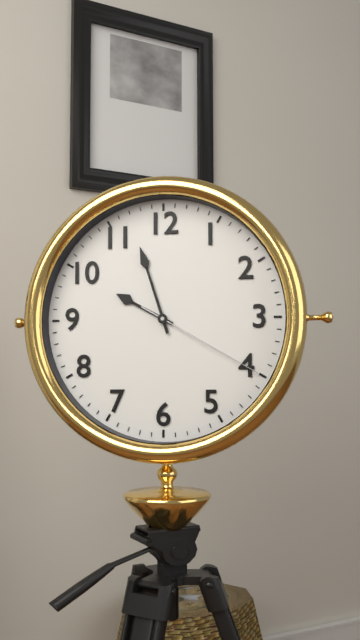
9:57:20
